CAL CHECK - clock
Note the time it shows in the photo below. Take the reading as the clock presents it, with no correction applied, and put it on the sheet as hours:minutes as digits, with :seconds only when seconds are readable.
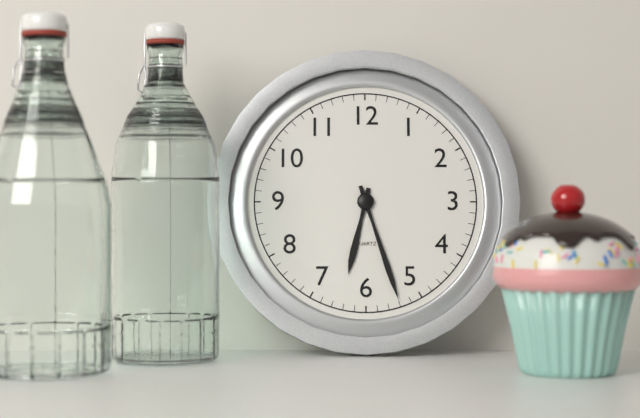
6:27
